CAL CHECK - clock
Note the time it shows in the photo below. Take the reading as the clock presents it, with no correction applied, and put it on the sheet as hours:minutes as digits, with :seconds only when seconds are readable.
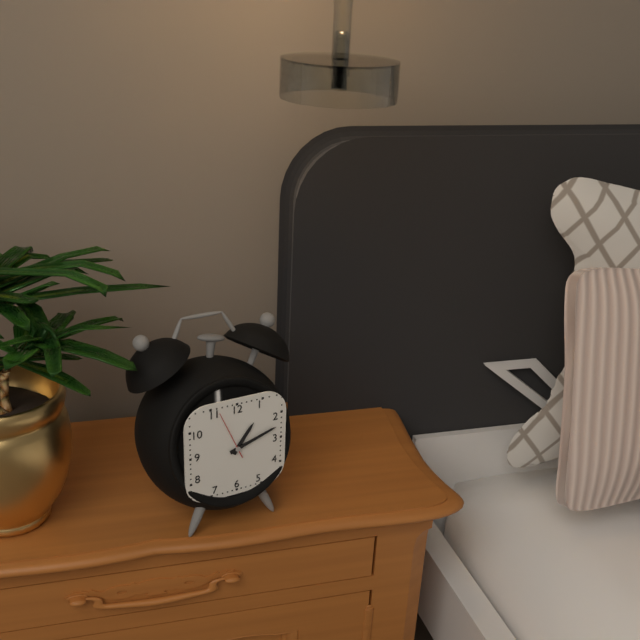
1:12
